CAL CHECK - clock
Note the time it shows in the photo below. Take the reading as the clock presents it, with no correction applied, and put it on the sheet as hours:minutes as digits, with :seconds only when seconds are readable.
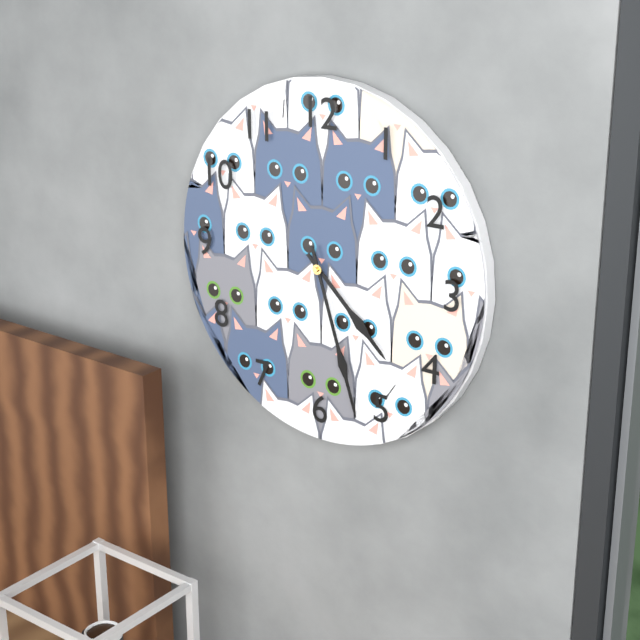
4:27
